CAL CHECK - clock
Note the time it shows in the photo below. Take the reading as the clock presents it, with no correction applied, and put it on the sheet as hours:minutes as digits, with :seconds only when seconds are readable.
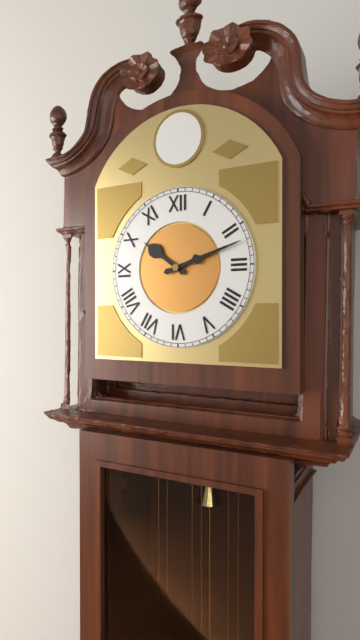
10:12
